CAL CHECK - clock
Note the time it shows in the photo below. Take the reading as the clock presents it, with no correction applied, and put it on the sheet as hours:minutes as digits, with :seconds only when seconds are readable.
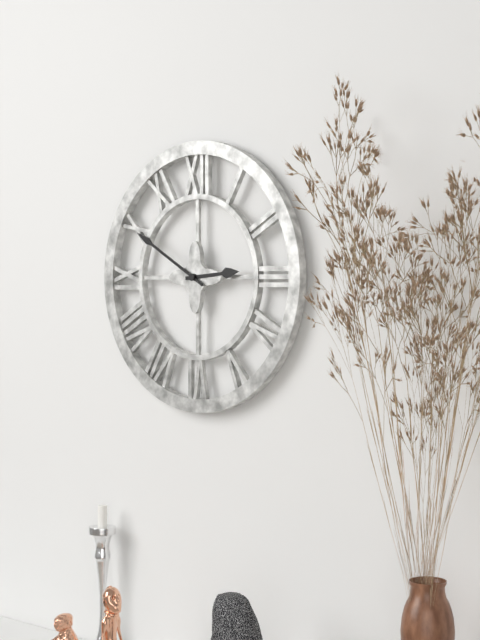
2:50
